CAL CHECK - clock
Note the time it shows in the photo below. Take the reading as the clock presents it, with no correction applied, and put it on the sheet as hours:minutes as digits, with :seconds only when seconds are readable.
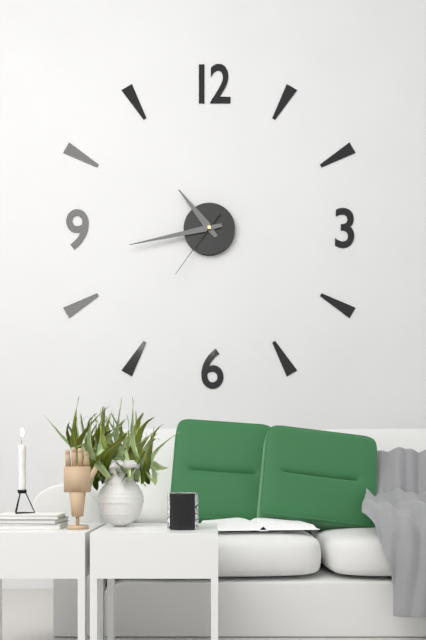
10:43:36
